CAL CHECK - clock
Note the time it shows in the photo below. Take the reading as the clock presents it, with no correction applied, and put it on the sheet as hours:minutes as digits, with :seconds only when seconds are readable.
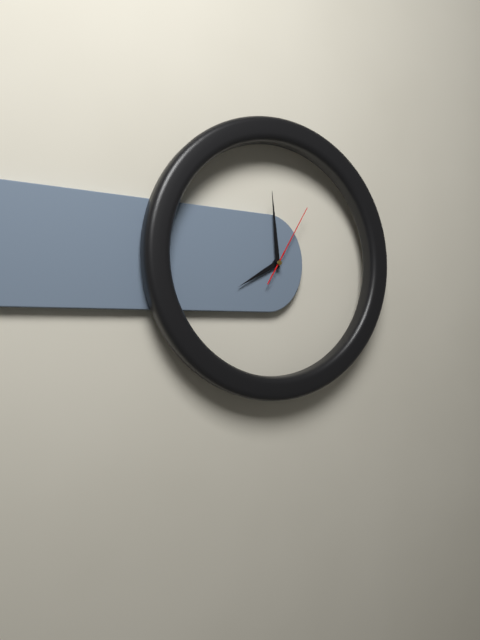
7:59:05
